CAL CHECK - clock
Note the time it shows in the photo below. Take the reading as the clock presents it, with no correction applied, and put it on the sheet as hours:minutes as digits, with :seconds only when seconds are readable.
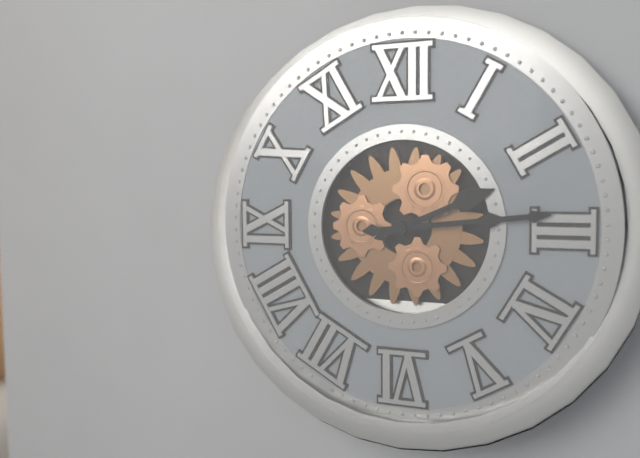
2:14
